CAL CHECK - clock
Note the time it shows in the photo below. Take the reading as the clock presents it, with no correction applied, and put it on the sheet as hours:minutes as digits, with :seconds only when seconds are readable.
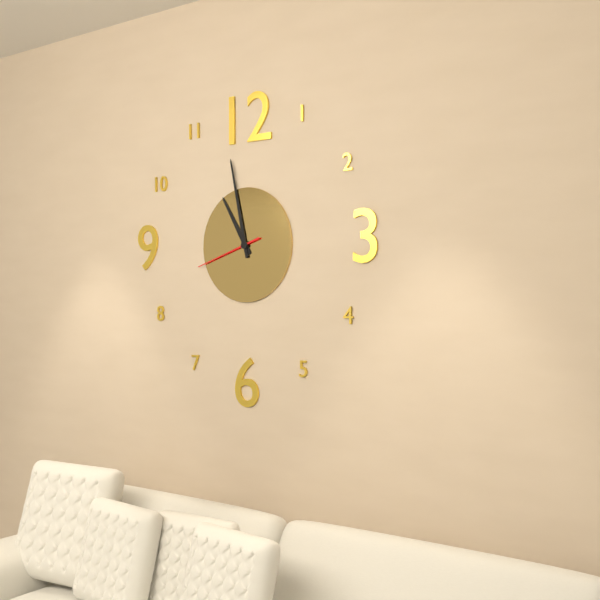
10:58:42
